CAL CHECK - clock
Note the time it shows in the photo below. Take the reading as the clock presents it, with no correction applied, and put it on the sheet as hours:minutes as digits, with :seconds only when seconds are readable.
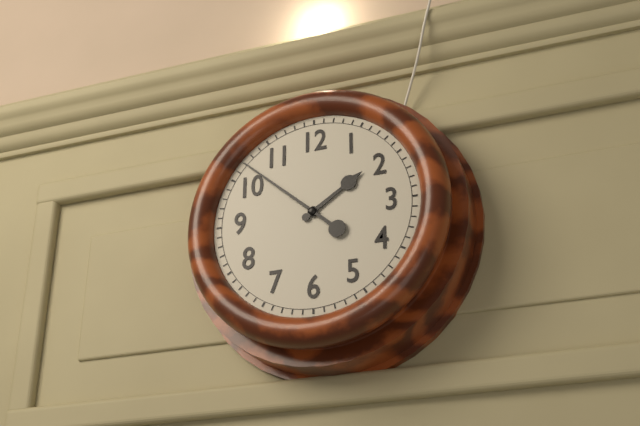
1:52
